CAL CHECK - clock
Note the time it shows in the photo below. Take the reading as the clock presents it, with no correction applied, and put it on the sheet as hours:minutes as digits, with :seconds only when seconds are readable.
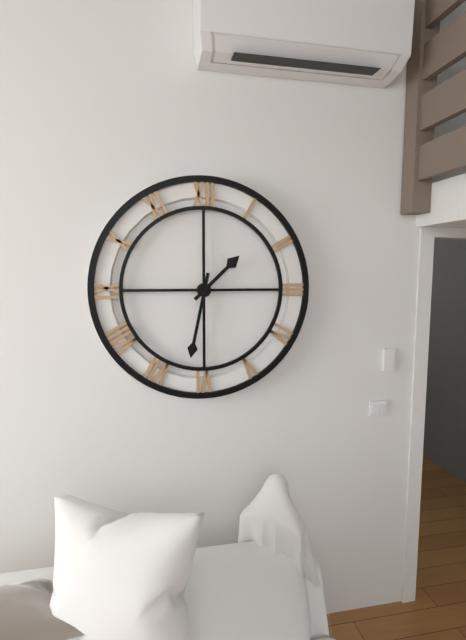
1:32
